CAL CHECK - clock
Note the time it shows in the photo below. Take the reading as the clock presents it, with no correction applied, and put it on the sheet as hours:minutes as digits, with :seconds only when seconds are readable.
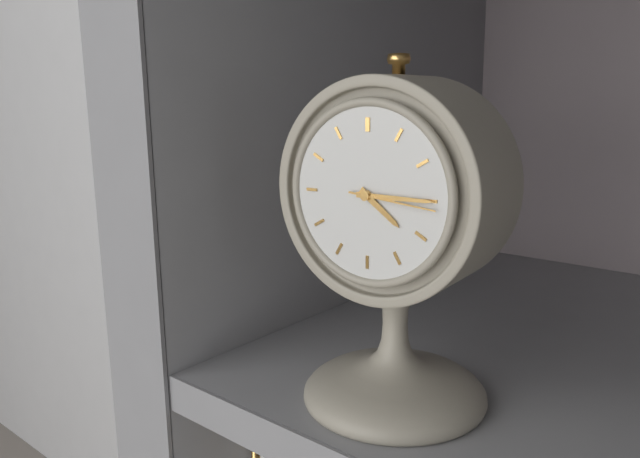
4:15:16
